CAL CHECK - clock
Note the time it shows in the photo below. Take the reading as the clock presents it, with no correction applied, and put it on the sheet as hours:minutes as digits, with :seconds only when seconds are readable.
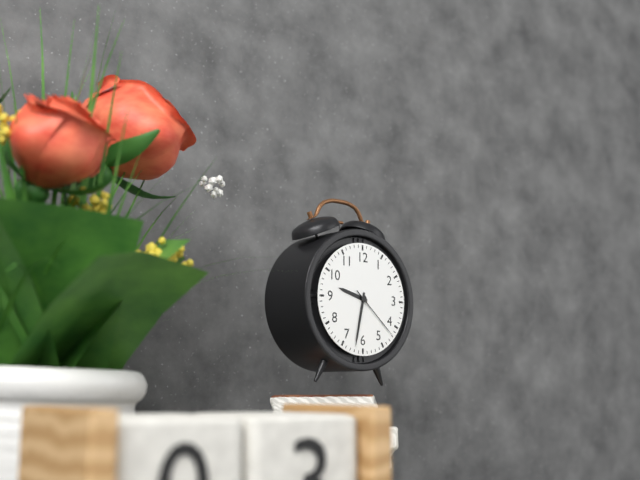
9:32:22
